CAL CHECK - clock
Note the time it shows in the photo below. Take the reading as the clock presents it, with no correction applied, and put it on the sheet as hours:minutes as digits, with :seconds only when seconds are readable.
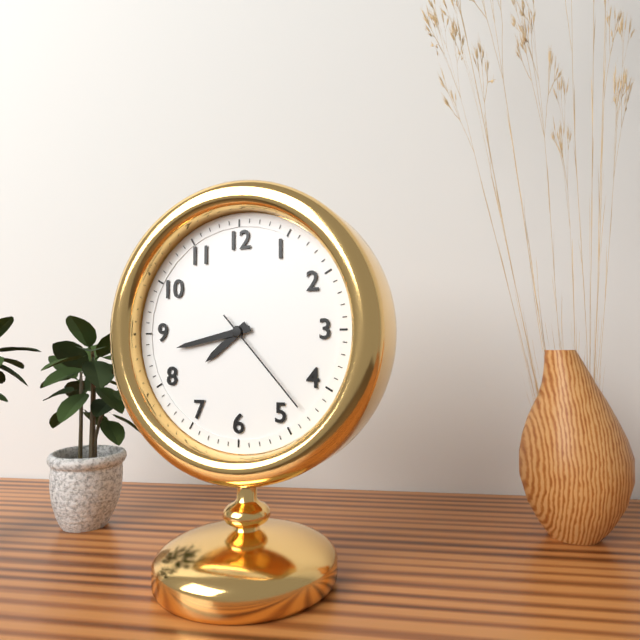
7:43:23
